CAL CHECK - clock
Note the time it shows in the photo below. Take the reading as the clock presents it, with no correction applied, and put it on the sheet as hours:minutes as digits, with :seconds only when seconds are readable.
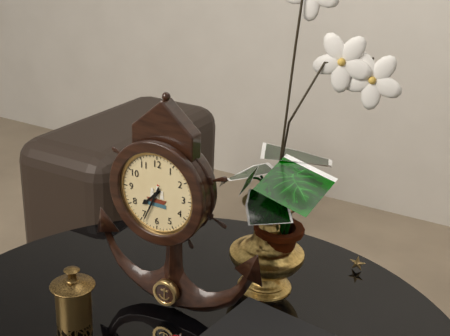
7:34
